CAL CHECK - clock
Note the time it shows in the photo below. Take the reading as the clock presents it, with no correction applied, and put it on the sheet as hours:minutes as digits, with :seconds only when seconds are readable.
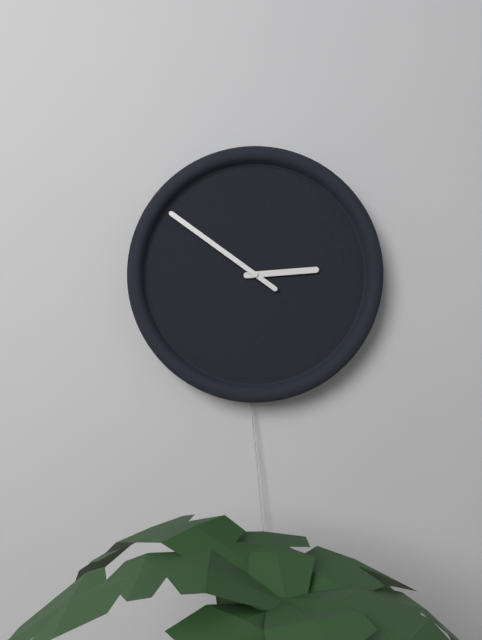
2:51
